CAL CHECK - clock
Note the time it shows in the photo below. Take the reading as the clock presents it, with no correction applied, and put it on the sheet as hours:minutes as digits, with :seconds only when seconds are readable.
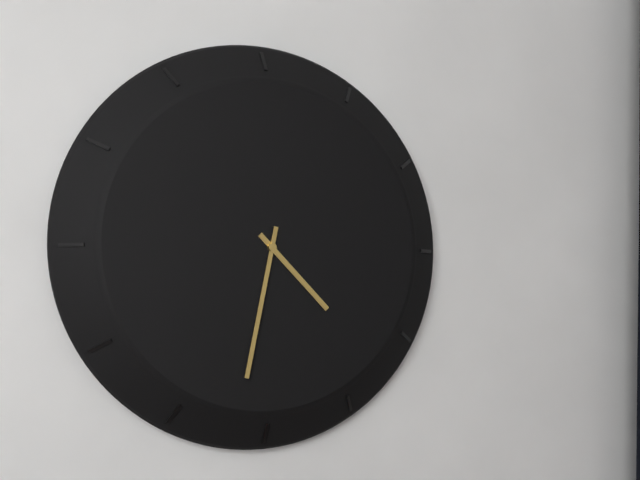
4:32
